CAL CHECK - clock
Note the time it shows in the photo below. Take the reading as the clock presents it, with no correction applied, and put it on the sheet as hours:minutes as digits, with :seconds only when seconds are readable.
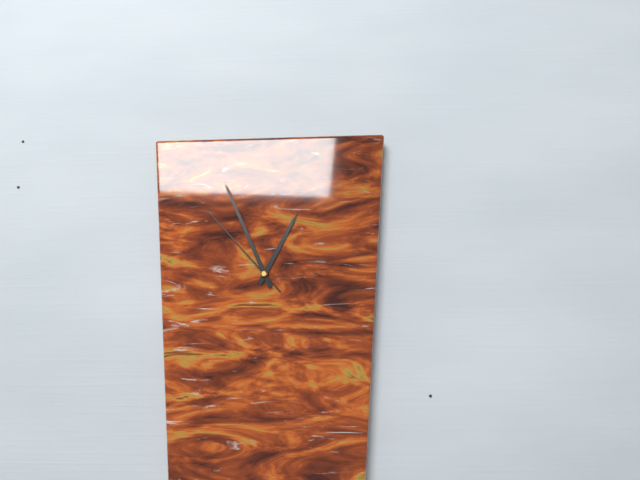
12:56:53
